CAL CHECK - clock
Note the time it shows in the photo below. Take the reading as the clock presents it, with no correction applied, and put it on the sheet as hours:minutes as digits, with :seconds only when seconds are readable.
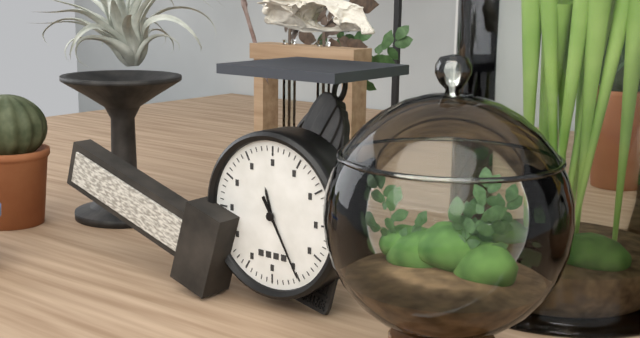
11:25
